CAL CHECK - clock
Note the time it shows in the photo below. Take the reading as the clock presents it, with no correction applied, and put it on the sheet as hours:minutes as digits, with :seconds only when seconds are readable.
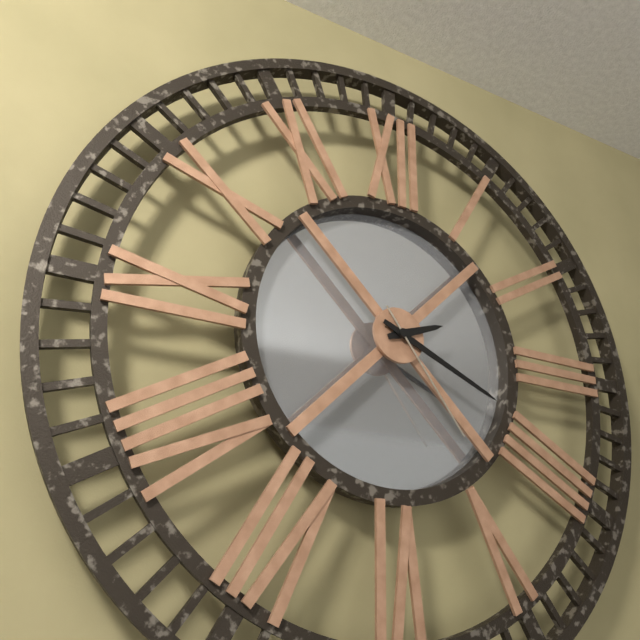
2:19:24
